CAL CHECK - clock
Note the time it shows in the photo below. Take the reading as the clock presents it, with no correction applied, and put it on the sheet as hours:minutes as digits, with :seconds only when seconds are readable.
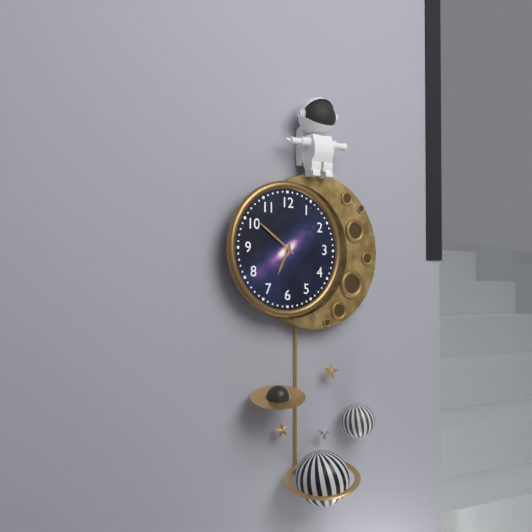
6:51
